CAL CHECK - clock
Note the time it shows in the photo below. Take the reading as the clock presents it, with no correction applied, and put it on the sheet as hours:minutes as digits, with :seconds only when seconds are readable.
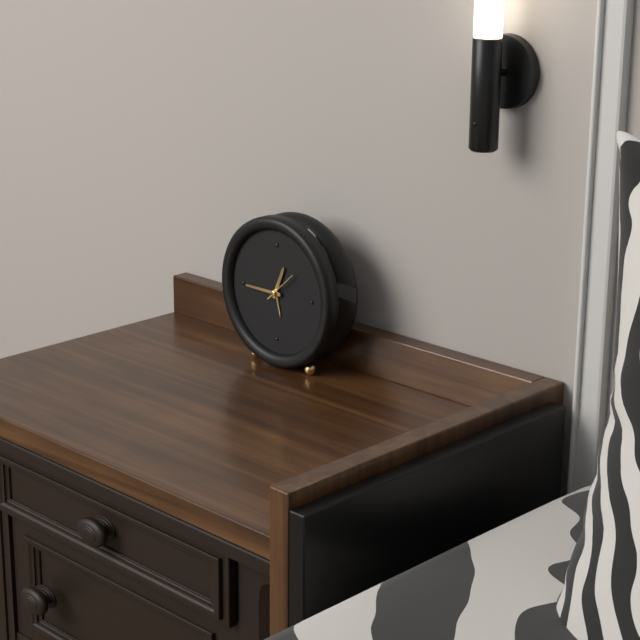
12:45
